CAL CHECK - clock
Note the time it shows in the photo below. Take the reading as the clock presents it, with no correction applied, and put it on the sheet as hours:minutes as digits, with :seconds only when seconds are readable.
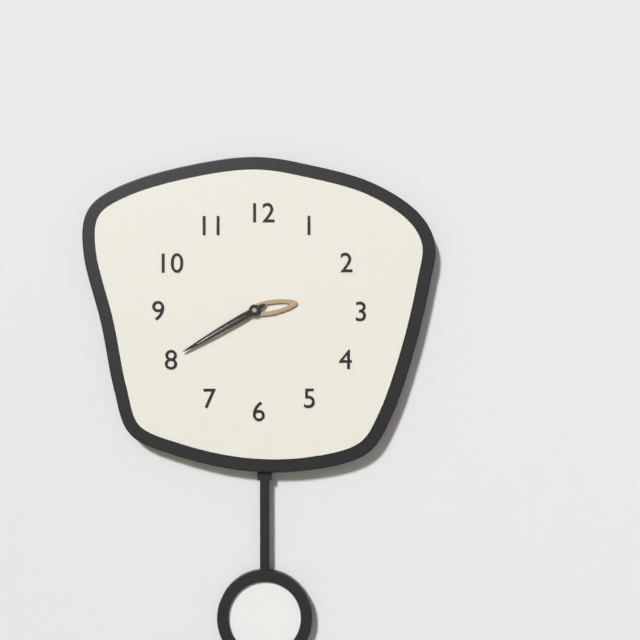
2:40
